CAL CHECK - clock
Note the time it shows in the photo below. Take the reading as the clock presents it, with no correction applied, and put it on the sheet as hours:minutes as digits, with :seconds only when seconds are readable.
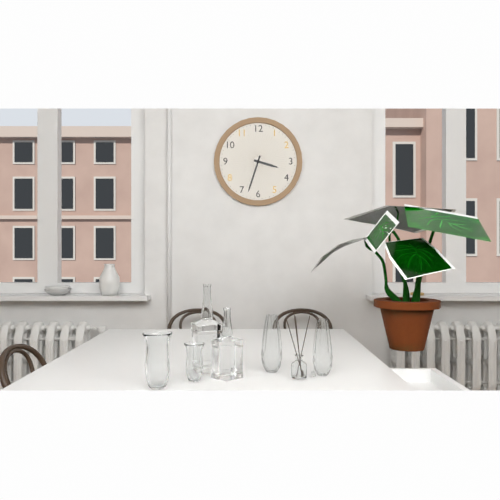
3:33
